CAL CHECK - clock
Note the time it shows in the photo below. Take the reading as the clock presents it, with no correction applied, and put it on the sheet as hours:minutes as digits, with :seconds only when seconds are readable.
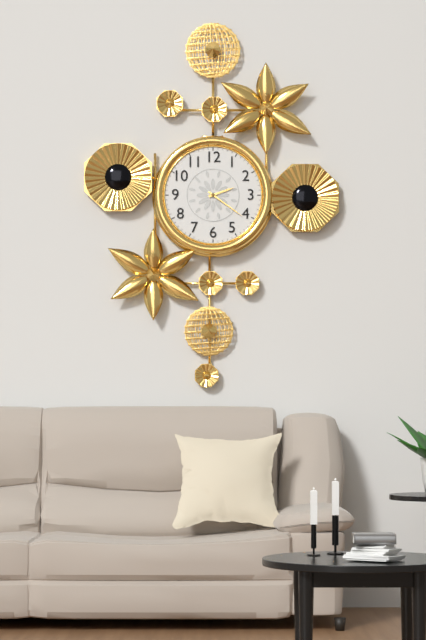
2:21
